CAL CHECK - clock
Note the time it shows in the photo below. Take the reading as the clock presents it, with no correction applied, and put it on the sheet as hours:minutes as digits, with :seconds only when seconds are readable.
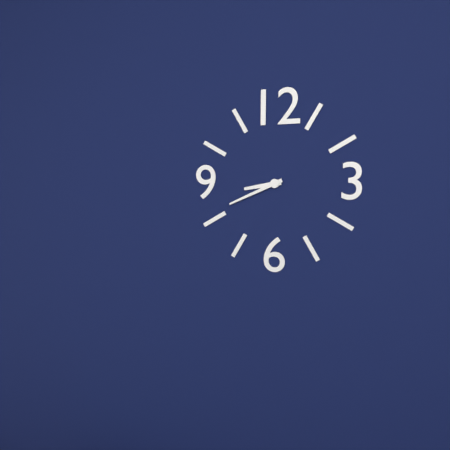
8:41
